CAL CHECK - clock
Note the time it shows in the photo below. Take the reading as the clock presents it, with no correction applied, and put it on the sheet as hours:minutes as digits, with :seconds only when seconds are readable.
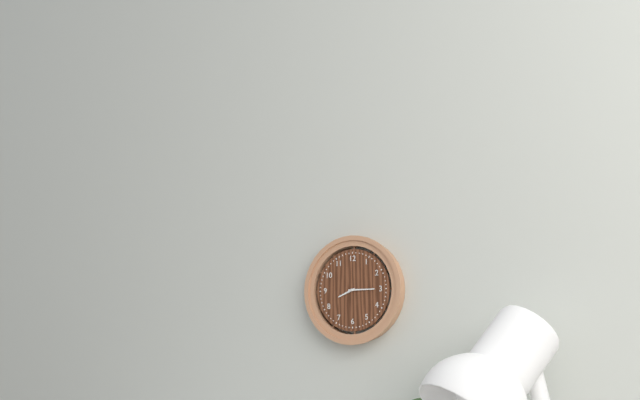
8:15
